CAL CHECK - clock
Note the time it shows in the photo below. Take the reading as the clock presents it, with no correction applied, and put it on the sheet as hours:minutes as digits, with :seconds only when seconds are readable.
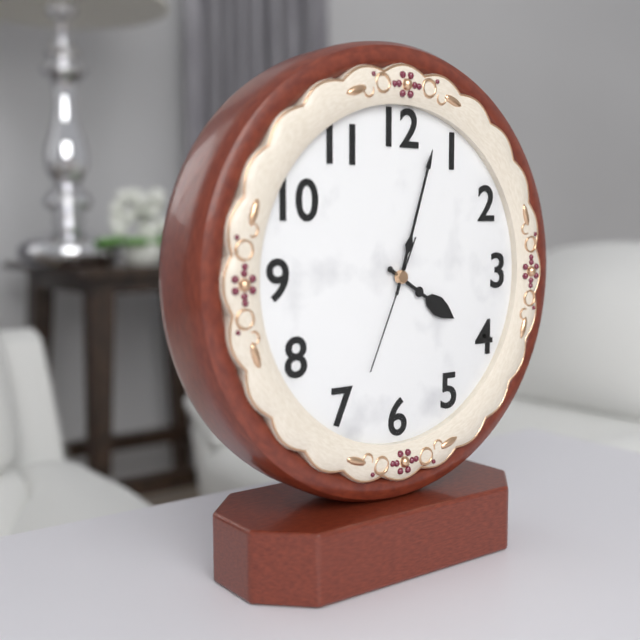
4:03:34
